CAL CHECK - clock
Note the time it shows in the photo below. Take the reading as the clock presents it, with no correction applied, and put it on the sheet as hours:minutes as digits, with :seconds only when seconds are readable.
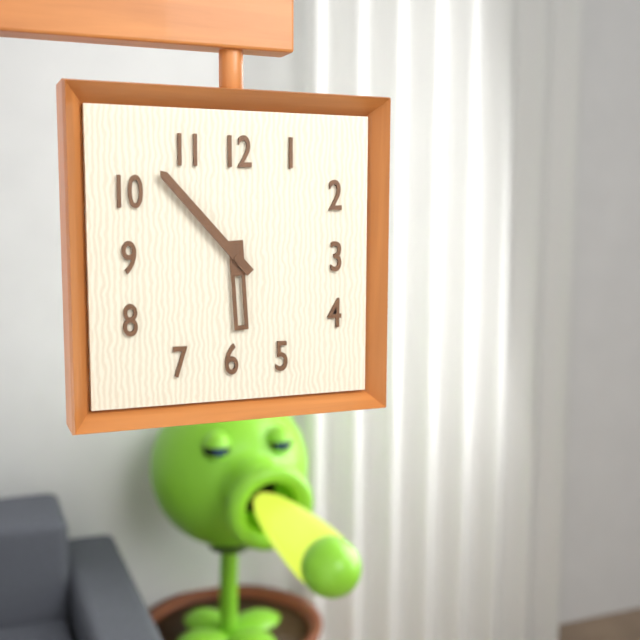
5:53
